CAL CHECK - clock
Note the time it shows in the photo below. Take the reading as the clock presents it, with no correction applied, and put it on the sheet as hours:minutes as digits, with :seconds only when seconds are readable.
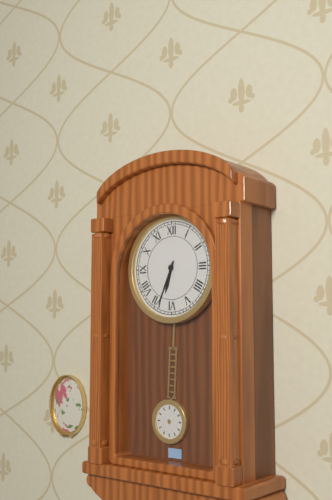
6:34
